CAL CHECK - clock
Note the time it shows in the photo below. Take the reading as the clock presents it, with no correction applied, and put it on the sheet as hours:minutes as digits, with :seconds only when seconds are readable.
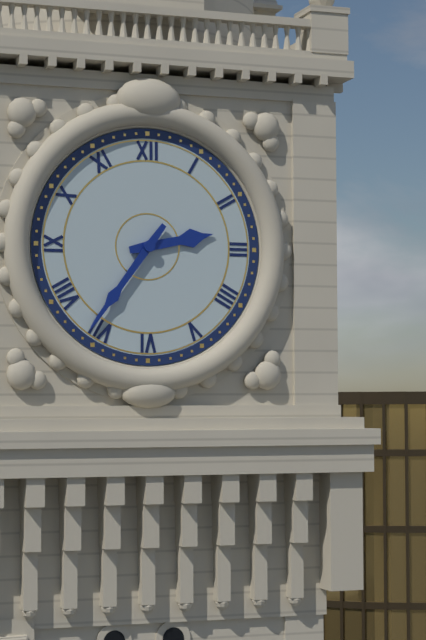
2:36
